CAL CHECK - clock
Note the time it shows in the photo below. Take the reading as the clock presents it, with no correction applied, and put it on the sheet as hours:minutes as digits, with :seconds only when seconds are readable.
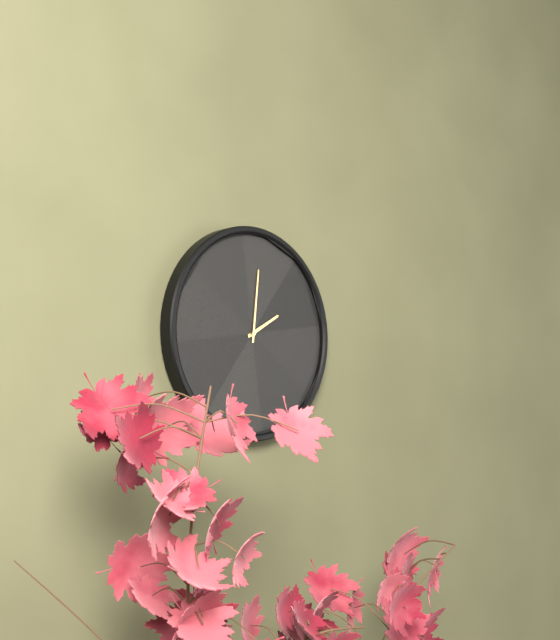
2:01
